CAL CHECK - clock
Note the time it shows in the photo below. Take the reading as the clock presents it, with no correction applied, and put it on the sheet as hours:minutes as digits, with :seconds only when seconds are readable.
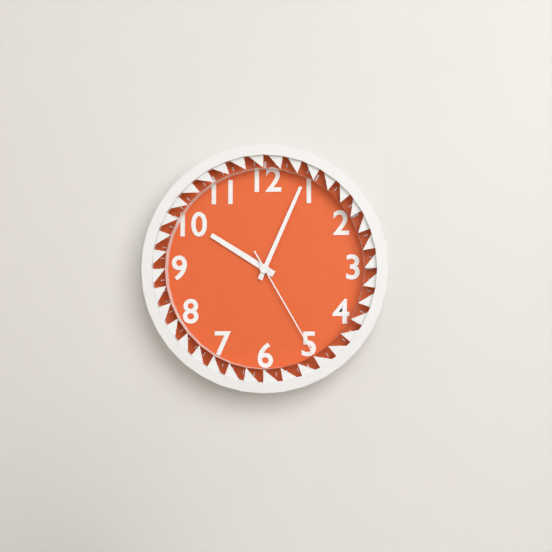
10:04:25
